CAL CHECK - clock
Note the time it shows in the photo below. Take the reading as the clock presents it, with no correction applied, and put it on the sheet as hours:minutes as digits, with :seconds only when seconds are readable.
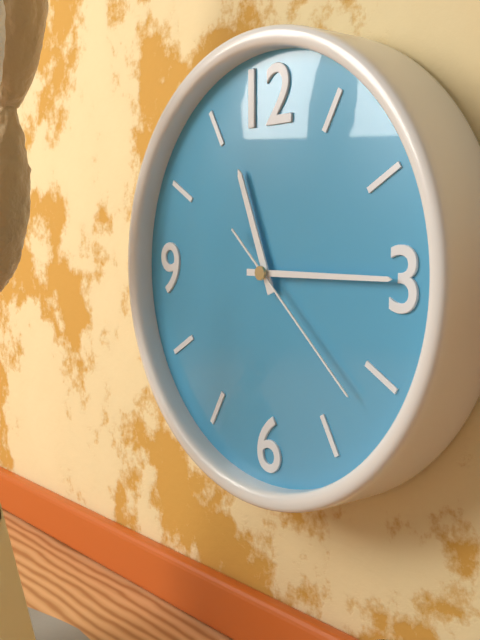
11:15:22
